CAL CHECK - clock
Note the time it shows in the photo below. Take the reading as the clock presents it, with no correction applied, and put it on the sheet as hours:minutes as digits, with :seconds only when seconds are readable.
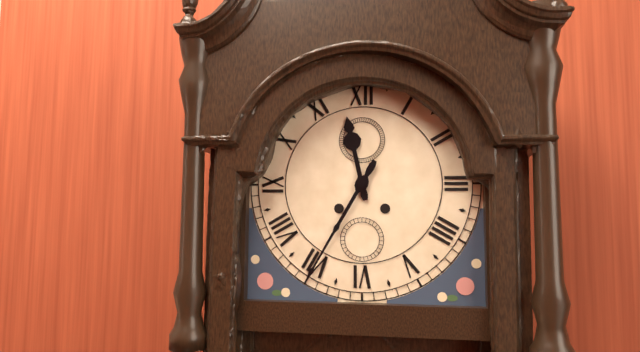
11:35
